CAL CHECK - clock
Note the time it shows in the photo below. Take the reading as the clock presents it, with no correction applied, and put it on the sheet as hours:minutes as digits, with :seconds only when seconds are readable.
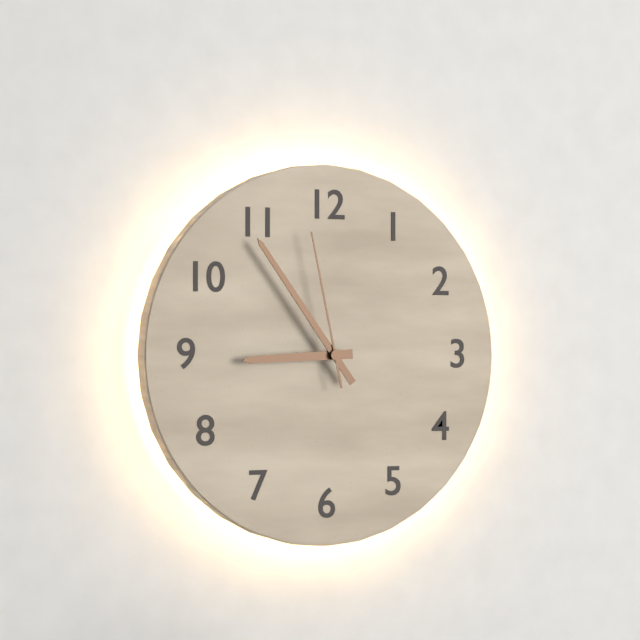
8:54:58
